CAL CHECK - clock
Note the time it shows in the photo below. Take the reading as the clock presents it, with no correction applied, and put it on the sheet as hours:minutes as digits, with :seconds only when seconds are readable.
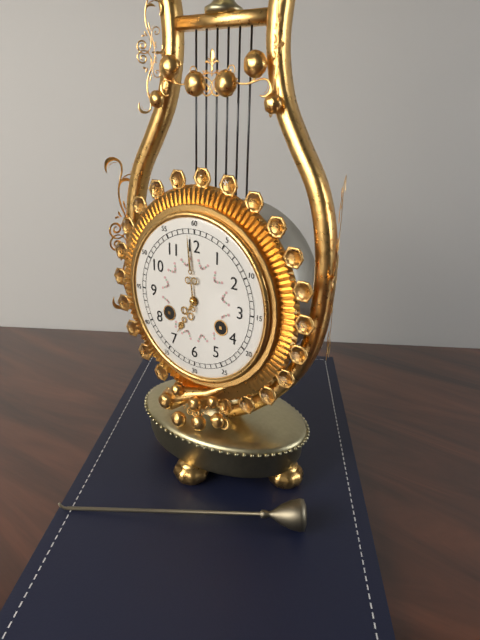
6:59
